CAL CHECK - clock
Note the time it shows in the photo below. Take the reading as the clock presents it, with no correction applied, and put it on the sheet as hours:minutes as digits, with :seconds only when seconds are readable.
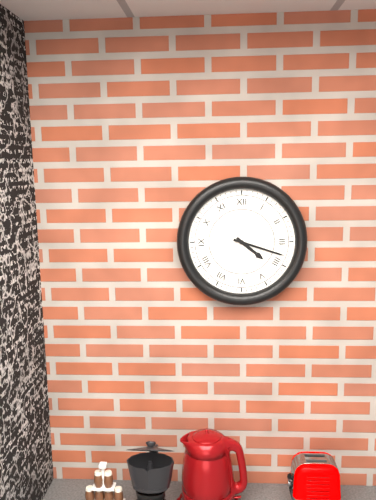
4:18
